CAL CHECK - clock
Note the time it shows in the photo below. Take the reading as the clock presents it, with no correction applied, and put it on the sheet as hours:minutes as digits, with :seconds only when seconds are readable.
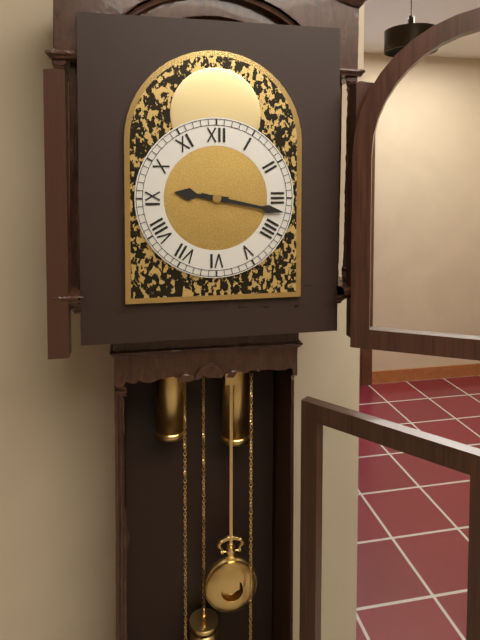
9:17
